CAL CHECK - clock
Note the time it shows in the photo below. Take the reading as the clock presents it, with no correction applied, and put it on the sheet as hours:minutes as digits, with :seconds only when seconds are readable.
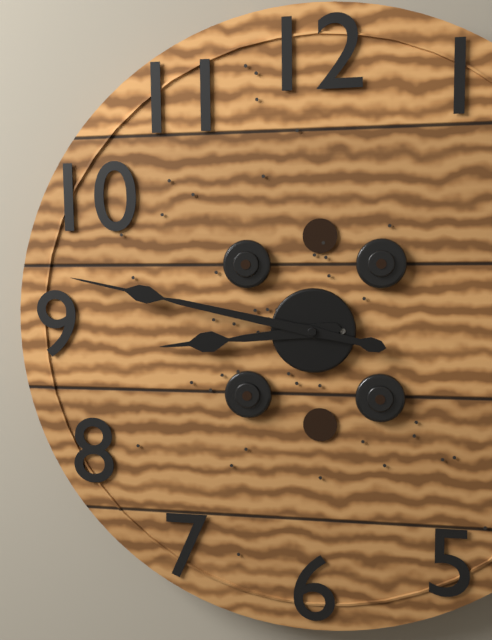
8:47
